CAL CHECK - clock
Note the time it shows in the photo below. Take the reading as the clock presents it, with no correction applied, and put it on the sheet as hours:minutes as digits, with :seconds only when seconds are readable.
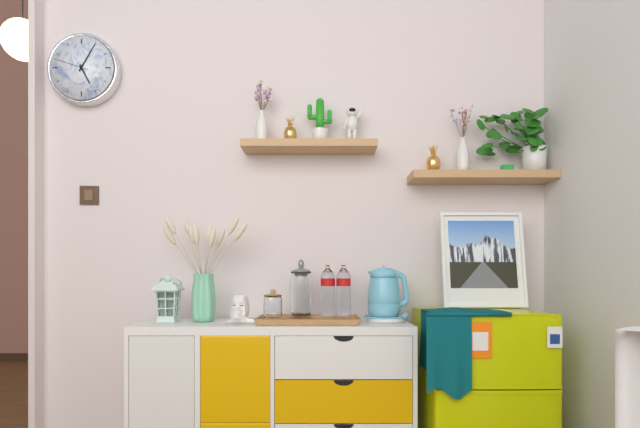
5:05
